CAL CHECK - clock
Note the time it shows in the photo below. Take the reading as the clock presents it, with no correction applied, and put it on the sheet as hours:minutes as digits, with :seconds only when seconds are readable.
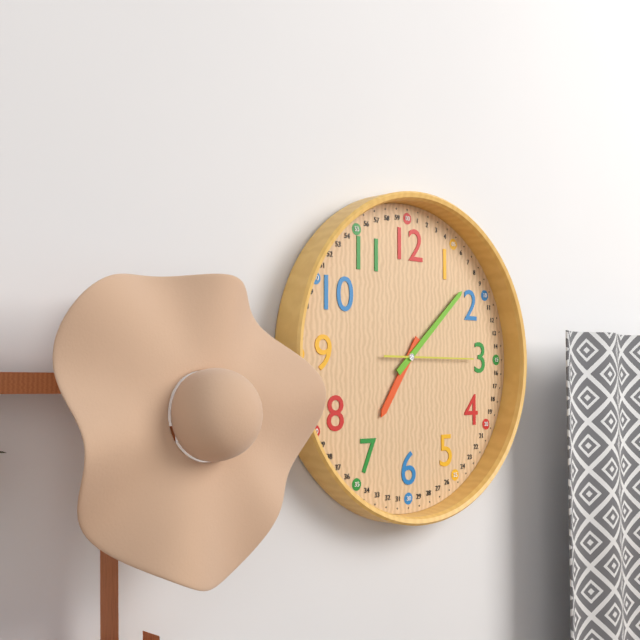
7:08:15
